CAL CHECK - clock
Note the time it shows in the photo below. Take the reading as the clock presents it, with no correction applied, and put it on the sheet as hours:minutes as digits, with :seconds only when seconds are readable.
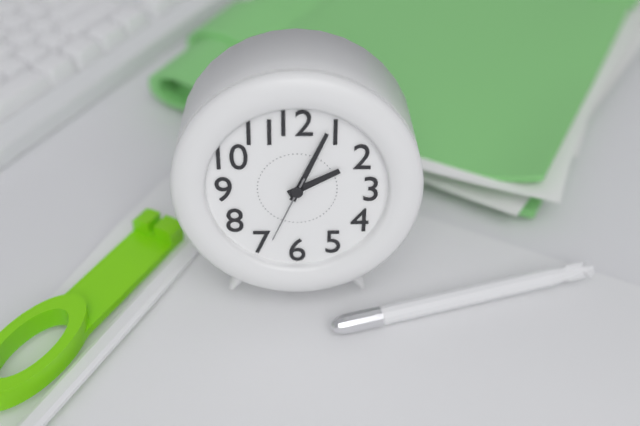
2:04:34
